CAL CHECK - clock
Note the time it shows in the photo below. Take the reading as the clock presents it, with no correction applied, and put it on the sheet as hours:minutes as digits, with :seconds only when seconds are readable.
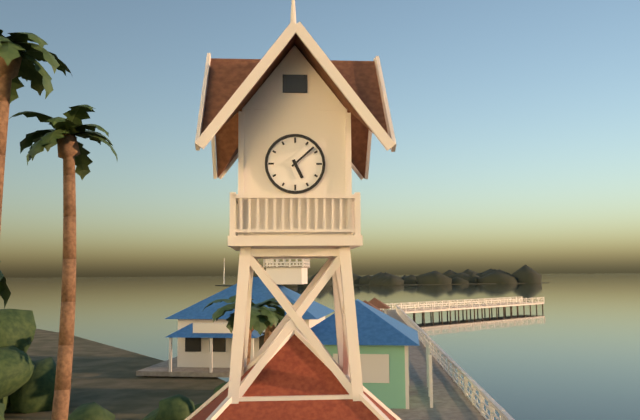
5:08
